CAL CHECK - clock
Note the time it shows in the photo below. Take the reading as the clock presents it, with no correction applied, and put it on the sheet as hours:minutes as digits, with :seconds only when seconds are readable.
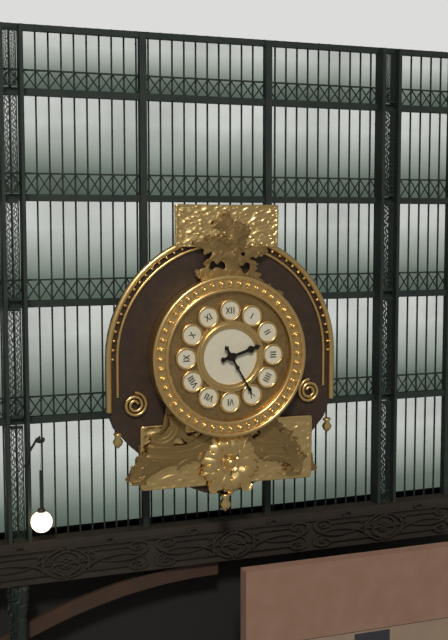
2:25
